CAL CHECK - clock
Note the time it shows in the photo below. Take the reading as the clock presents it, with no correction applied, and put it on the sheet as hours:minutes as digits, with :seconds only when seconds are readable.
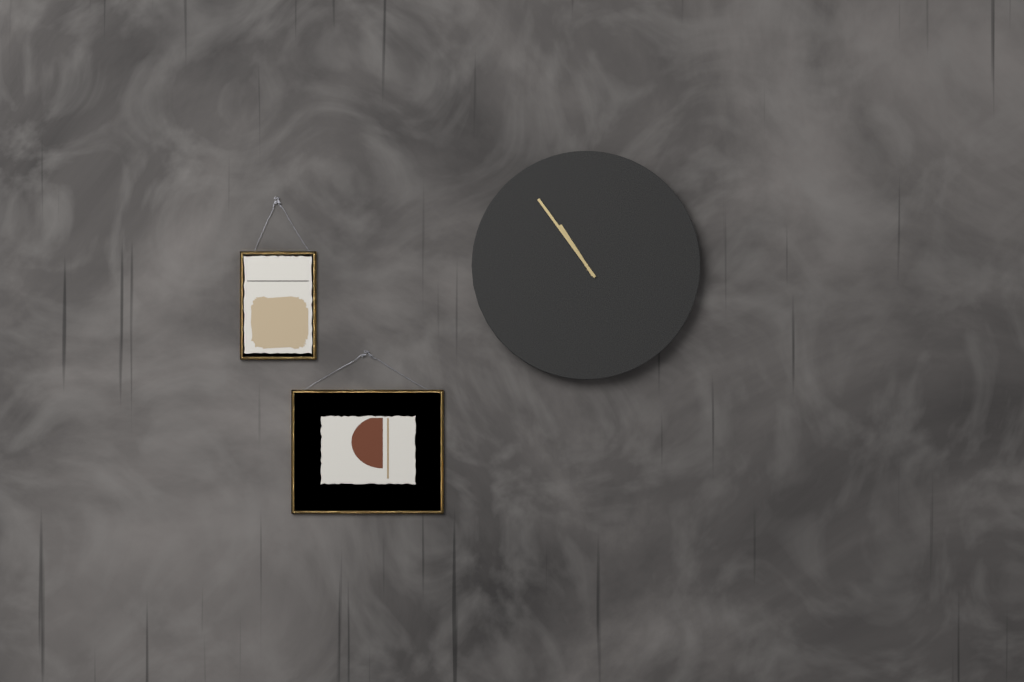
10:54
